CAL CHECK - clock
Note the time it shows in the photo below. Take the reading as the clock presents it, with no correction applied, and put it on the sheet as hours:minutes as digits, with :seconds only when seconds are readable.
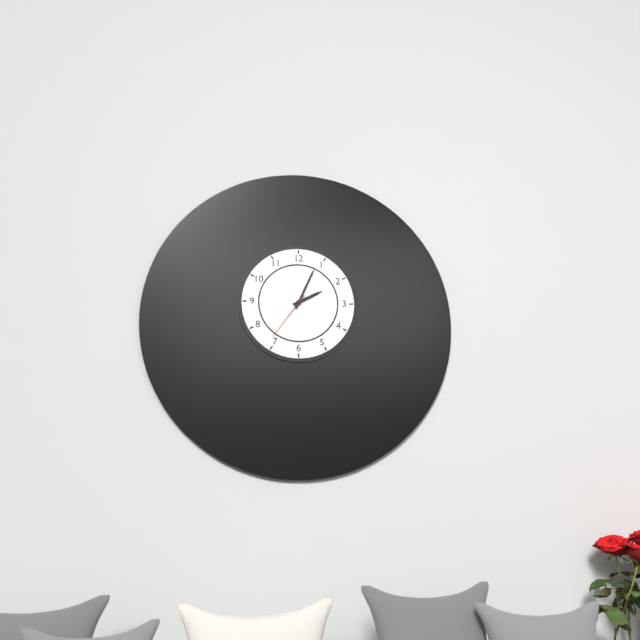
2:04:36
